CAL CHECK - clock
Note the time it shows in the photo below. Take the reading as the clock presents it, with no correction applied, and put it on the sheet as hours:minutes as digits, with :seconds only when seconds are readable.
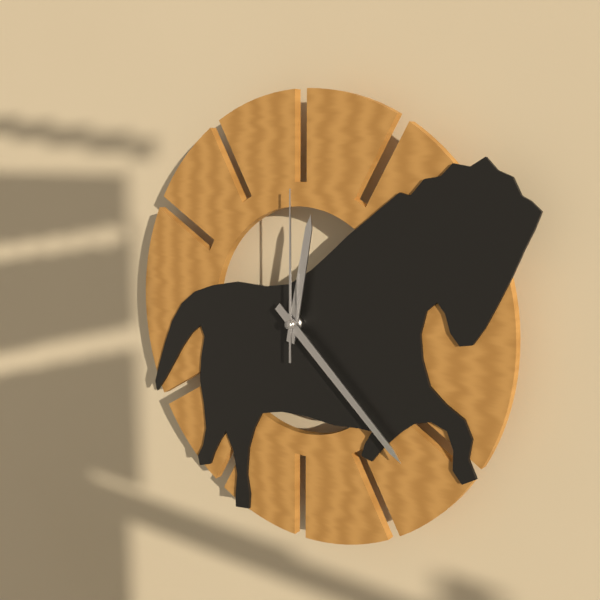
12:22:00
